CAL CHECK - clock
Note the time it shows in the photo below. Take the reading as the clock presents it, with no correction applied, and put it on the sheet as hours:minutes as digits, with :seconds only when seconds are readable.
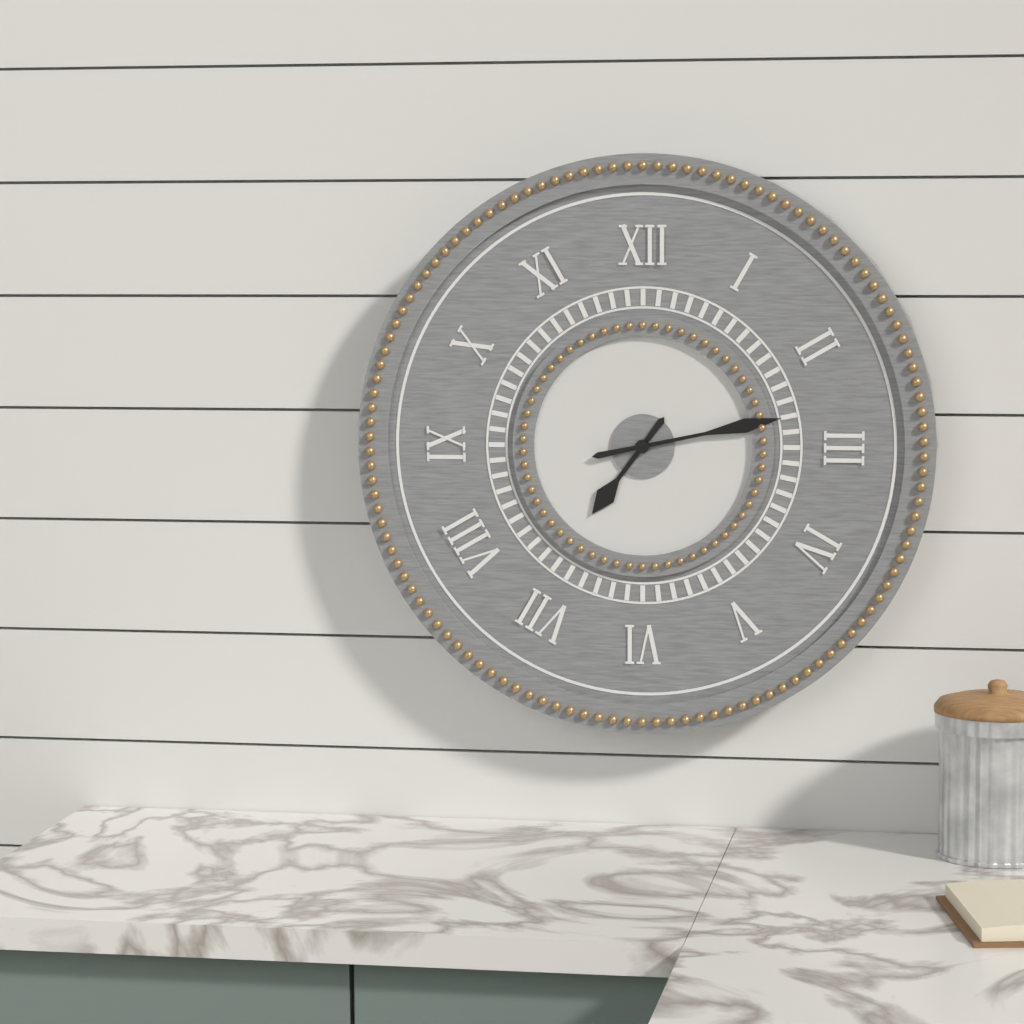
7:13
